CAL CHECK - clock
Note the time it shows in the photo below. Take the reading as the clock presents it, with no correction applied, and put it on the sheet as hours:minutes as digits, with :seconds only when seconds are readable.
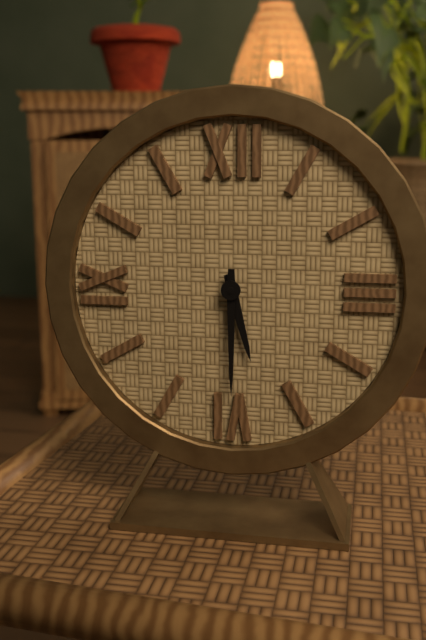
5:30
